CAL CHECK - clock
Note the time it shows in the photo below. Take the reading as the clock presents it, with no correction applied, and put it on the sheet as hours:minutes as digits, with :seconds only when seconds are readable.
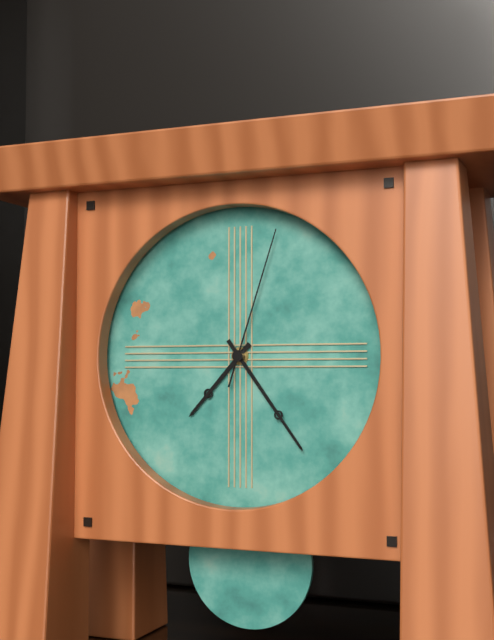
7:24:03
